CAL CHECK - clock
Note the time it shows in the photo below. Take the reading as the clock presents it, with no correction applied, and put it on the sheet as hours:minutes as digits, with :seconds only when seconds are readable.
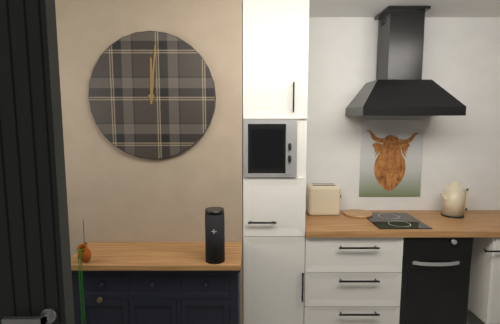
12:01
